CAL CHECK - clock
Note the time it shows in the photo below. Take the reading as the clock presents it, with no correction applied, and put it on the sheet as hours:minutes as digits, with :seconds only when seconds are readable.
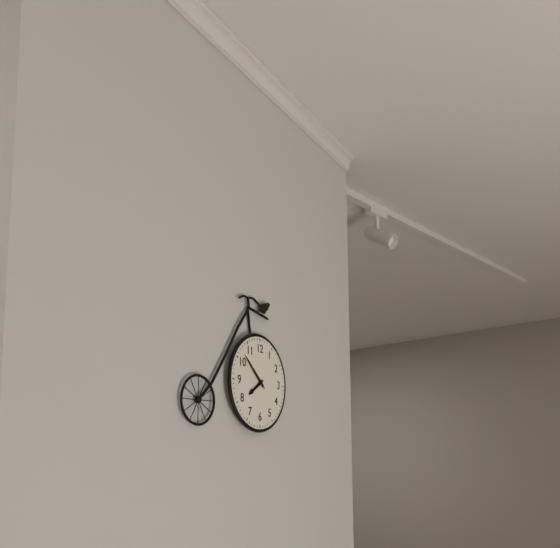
7:52
